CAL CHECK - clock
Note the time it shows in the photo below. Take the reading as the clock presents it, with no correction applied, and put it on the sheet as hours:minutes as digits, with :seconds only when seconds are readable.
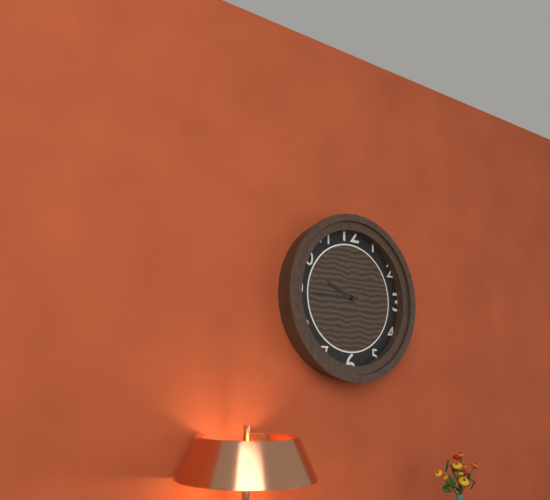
9:45
